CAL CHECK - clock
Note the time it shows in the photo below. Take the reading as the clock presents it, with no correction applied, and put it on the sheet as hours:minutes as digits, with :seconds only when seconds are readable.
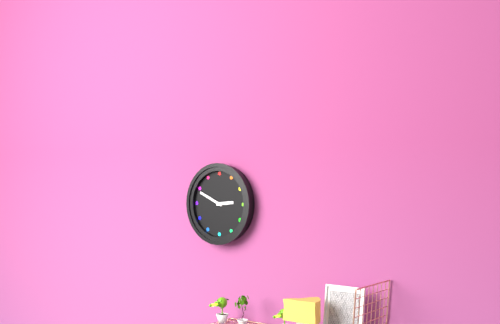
2:49
